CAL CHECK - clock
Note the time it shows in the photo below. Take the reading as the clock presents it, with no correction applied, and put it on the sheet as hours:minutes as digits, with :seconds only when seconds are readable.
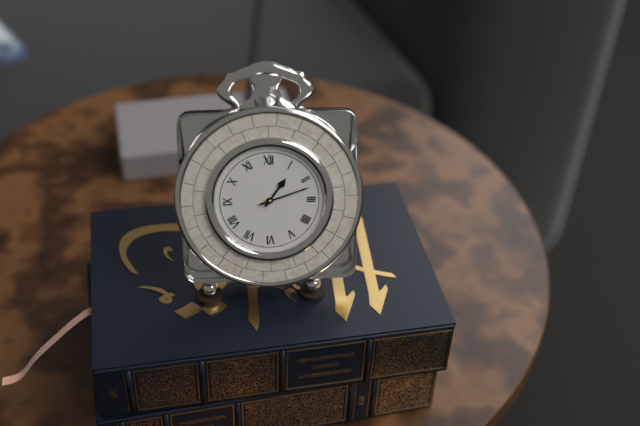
1:12
